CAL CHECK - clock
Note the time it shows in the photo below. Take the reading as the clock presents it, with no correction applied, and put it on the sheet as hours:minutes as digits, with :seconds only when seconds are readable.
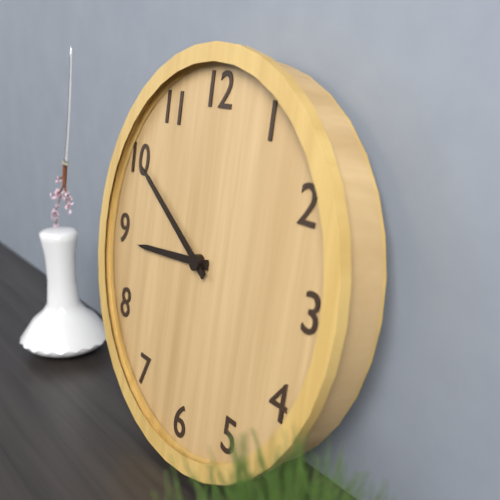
8:50
